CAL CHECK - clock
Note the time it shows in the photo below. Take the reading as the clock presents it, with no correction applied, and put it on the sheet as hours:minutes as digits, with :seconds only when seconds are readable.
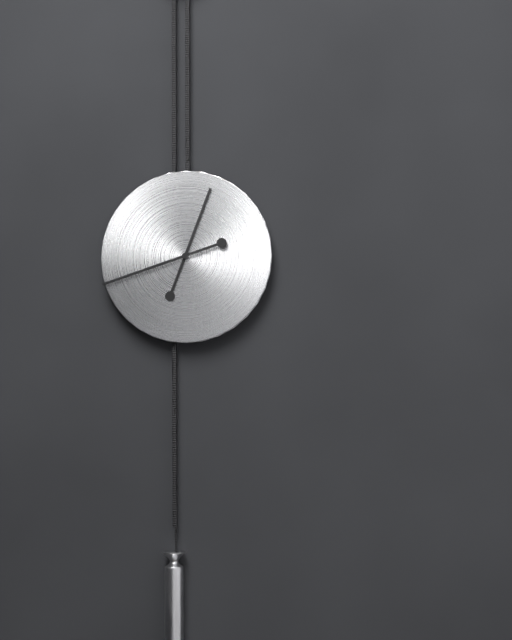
12:42
